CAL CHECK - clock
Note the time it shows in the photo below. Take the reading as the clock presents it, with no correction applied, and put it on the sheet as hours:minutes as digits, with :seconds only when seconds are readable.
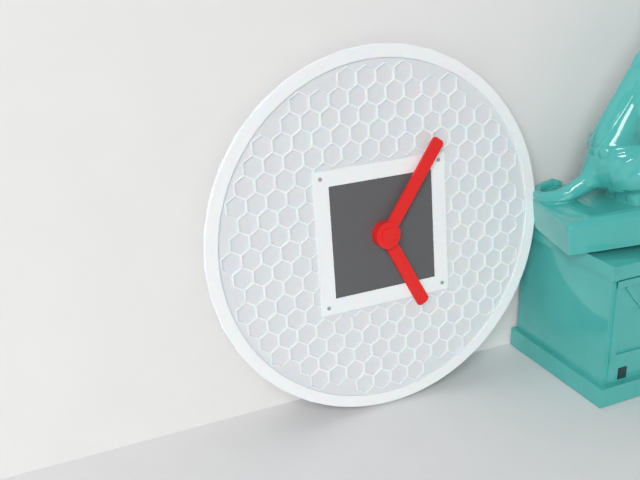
5:06
